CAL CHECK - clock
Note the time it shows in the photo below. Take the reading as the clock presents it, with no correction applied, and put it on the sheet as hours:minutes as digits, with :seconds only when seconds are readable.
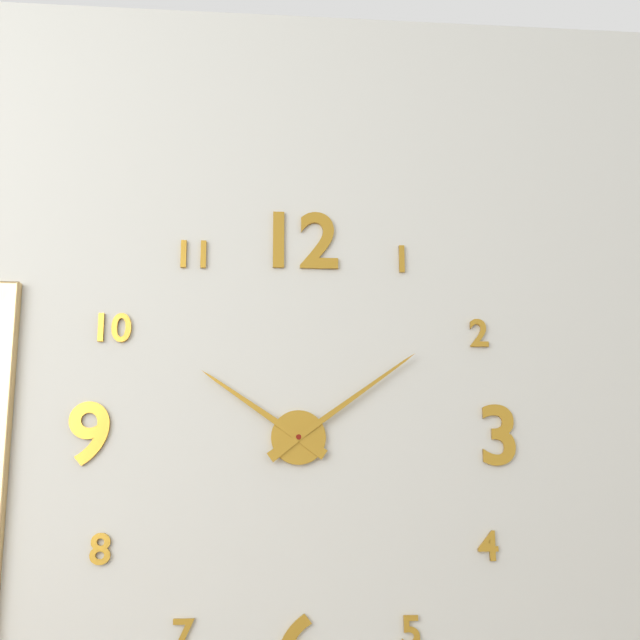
10:09
